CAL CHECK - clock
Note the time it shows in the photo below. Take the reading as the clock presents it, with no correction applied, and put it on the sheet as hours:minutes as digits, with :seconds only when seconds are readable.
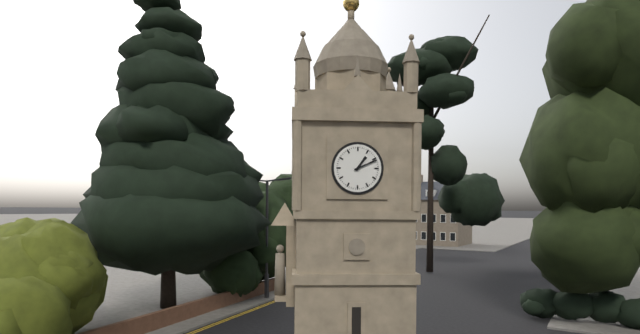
1:11
